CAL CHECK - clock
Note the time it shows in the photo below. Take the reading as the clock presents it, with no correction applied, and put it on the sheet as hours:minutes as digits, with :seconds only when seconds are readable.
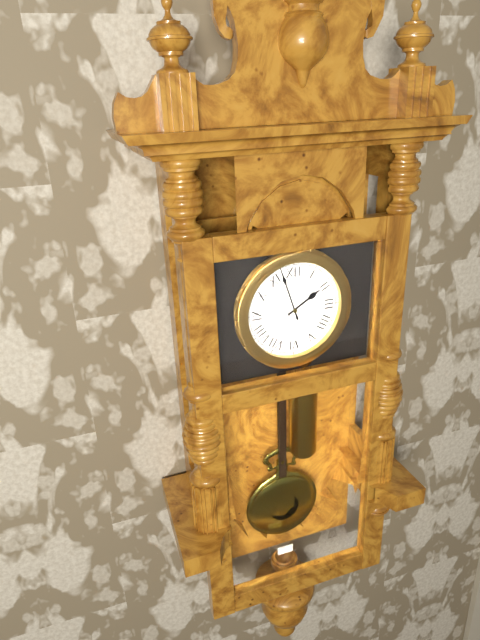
1:57
